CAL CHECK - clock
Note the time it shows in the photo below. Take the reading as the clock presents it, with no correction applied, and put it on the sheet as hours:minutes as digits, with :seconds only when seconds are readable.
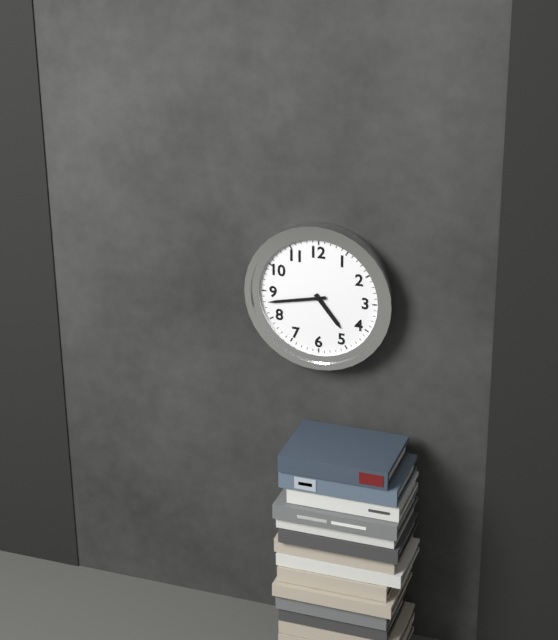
4:43
